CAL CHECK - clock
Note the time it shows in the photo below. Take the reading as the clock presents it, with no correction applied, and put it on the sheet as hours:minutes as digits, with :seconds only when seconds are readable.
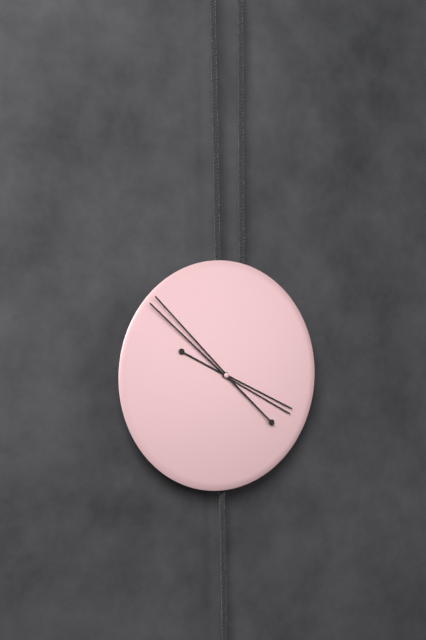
3:52
